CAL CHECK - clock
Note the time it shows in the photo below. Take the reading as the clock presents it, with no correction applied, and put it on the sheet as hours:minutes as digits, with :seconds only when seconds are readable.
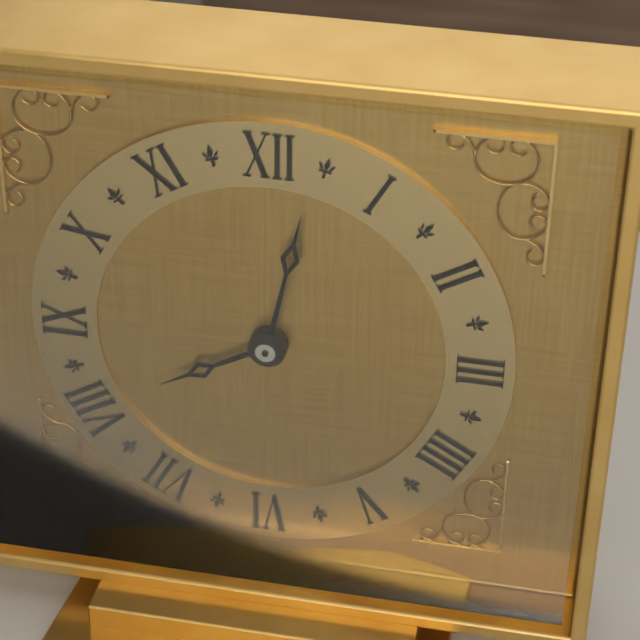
8:02
